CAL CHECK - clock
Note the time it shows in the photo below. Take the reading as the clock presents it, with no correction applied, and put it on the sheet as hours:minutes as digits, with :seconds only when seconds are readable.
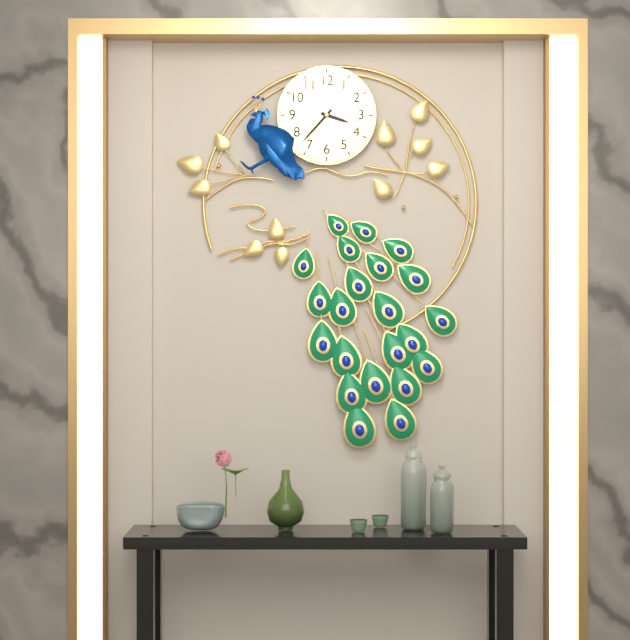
3:37
